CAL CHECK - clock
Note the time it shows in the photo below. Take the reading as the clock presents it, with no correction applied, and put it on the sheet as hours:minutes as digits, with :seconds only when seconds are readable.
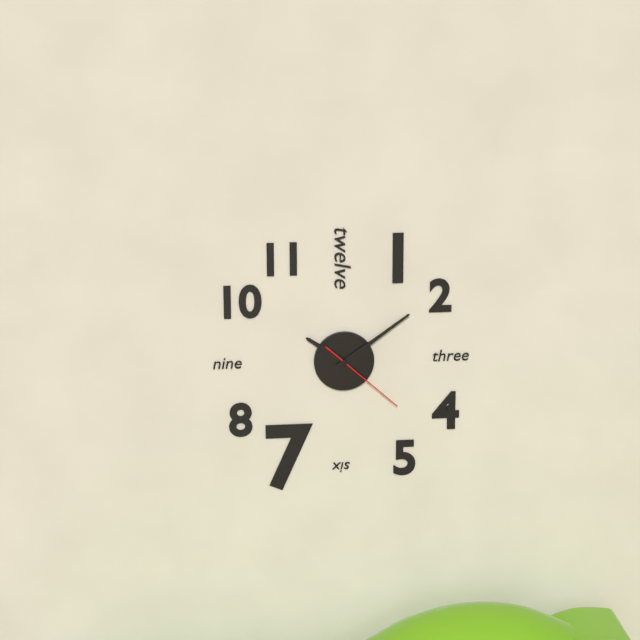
10:09:22
